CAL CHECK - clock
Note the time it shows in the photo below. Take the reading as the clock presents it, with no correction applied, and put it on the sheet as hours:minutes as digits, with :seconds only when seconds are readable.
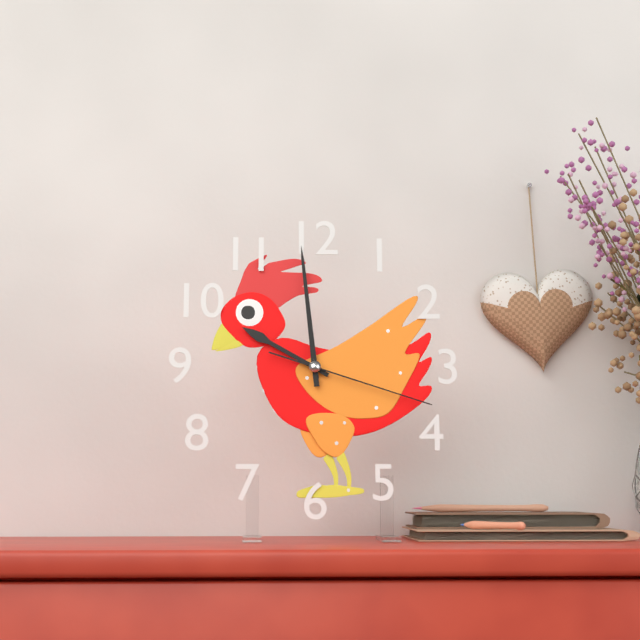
9:59:18
